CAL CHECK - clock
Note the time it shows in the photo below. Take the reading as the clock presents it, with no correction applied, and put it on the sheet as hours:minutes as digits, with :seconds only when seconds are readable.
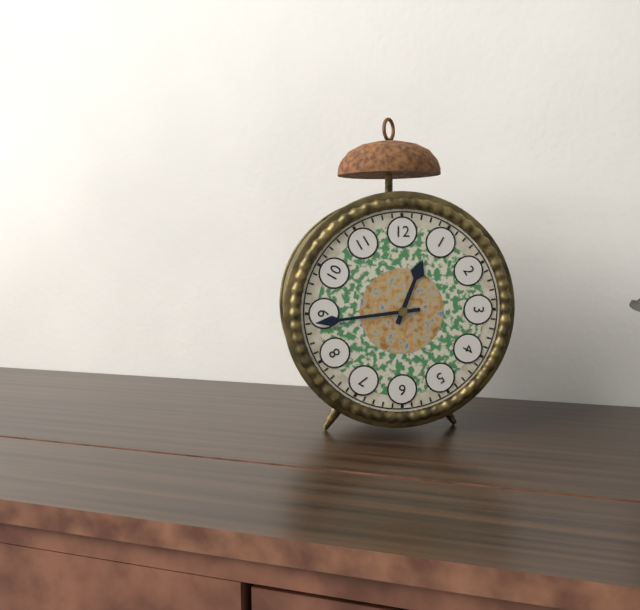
12:44
